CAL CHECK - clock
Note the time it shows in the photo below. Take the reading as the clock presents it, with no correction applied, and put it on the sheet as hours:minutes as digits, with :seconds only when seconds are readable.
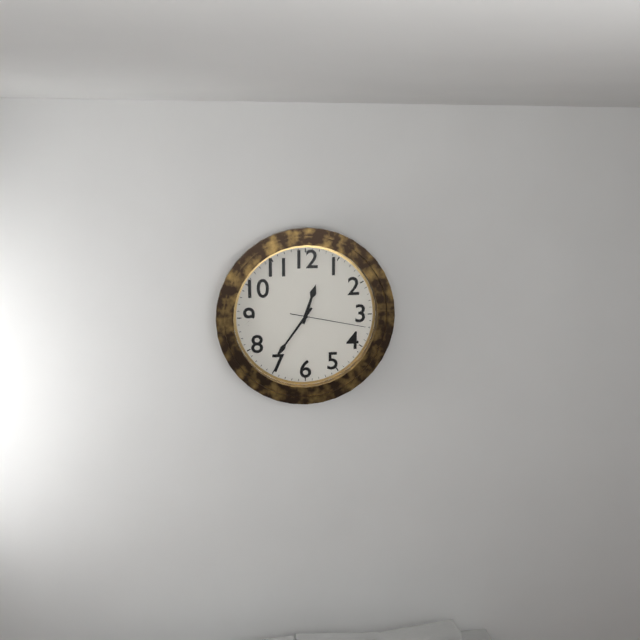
12:36:17
